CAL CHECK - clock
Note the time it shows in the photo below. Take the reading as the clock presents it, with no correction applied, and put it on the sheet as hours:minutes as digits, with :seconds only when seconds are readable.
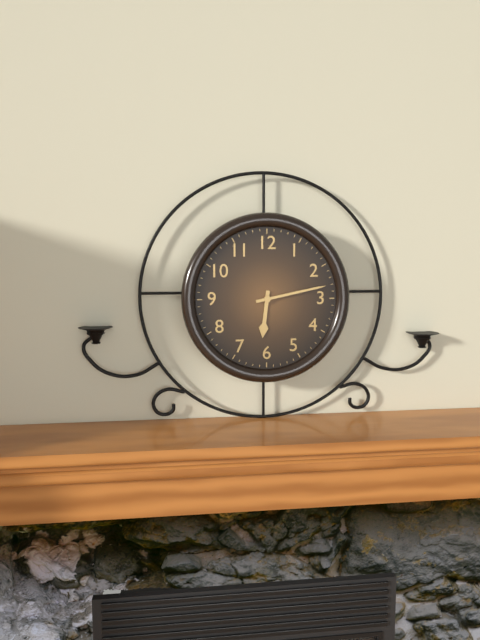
6:13
